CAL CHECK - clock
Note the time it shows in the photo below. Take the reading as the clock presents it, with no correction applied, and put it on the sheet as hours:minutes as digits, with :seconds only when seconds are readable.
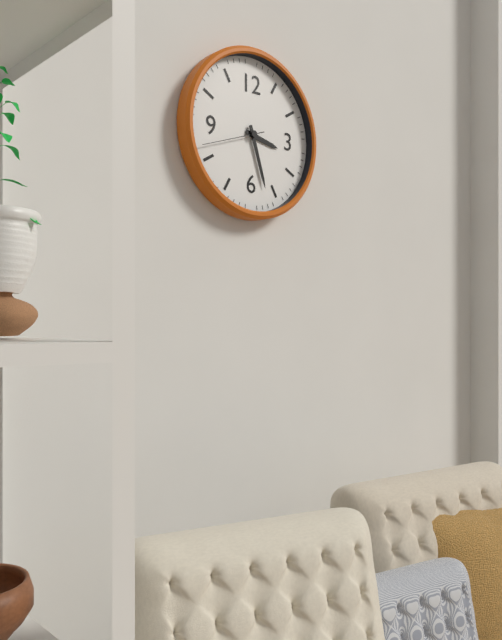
3:27:42
